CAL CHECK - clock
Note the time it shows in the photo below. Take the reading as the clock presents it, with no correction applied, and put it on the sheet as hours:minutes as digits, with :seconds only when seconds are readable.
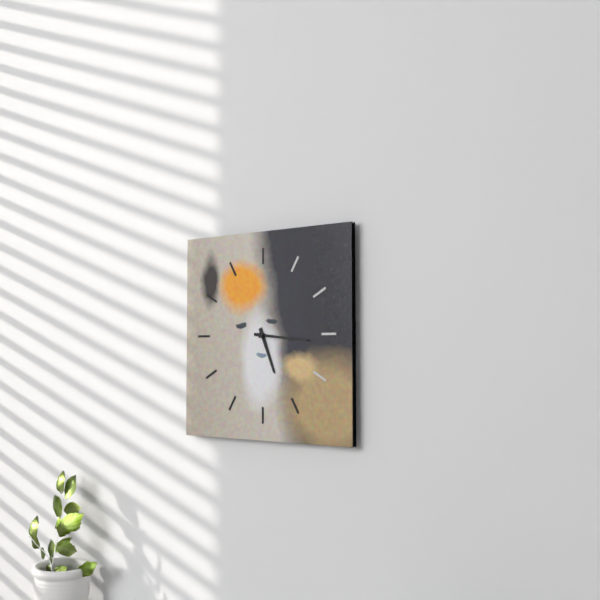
5:16
